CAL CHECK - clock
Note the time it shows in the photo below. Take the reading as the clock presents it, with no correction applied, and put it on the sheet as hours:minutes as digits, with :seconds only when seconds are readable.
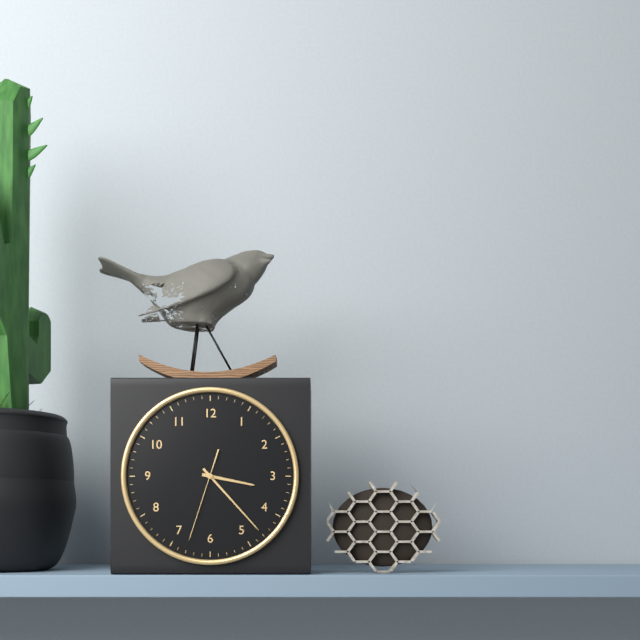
3:23:33
